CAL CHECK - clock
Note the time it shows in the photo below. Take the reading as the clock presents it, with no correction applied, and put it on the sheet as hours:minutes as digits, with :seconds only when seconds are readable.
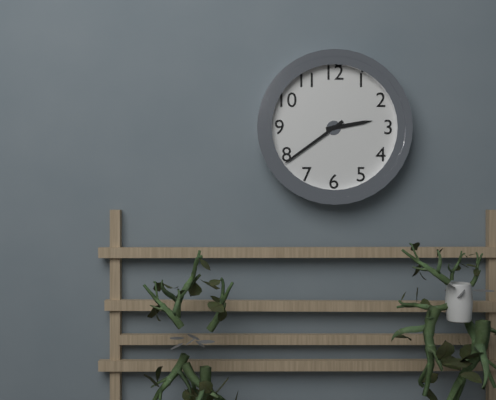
2:39
